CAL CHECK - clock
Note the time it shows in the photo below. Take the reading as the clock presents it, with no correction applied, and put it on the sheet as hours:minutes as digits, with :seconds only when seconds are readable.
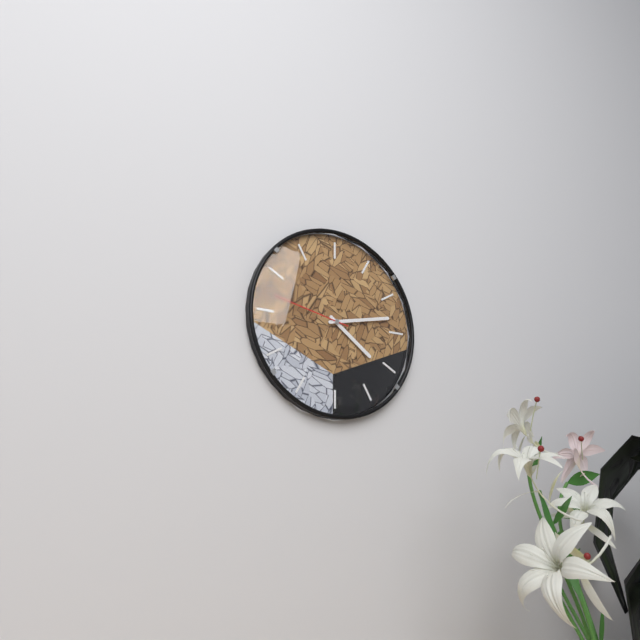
4:13:47
